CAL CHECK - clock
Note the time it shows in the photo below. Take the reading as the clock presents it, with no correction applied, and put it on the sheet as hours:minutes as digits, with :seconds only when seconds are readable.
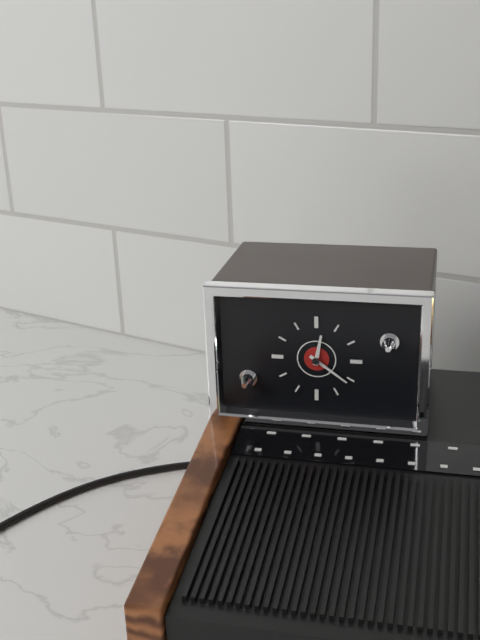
12:21
